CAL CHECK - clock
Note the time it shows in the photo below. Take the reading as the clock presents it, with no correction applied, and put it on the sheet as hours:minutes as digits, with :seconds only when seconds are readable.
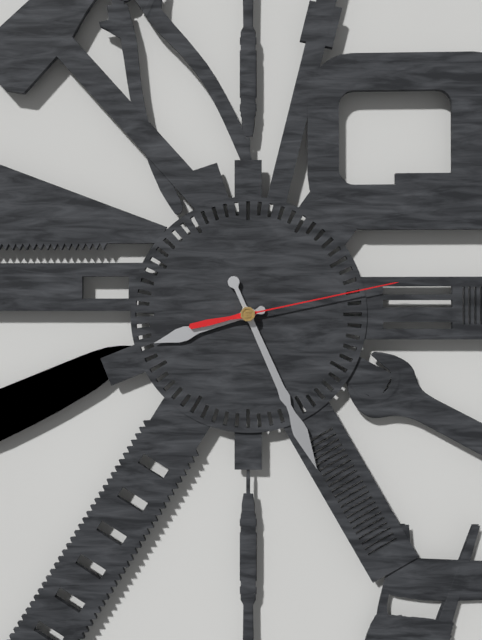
8:26:13
